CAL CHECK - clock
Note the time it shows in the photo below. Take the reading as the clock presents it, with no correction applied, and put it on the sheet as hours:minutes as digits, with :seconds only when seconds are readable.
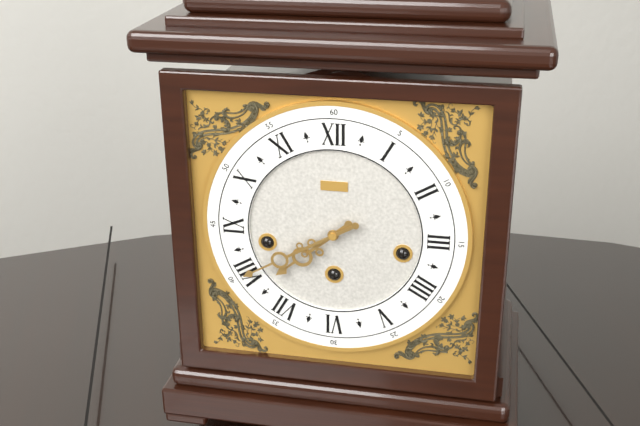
7:40
